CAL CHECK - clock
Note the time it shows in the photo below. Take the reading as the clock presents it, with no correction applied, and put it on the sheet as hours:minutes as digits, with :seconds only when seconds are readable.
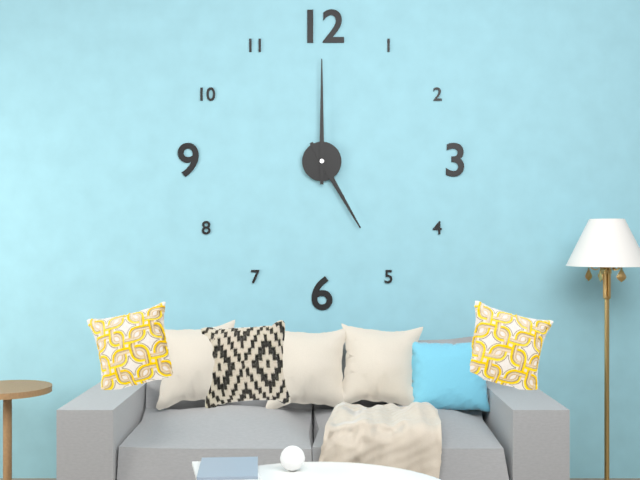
5:00
